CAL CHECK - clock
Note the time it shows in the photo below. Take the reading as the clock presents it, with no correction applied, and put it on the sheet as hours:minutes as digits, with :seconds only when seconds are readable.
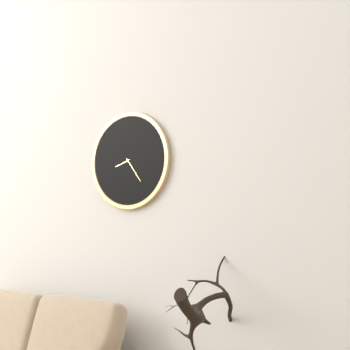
8:24
